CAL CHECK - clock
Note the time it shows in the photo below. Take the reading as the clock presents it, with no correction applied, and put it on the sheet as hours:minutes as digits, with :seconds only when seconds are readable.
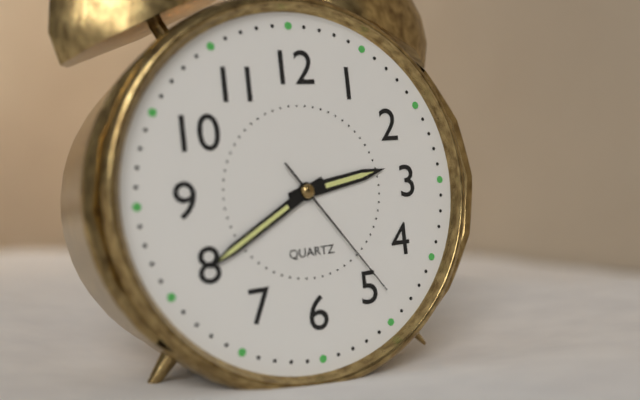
2:40:24
